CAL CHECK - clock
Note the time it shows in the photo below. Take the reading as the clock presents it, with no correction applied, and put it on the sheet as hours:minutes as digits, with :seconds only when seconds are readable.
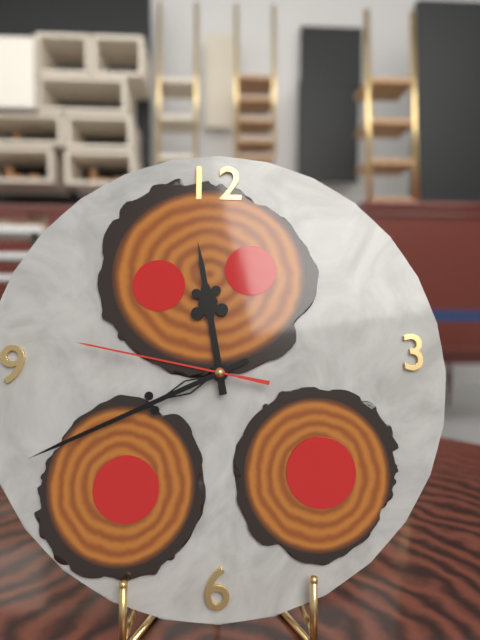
11:41:47
